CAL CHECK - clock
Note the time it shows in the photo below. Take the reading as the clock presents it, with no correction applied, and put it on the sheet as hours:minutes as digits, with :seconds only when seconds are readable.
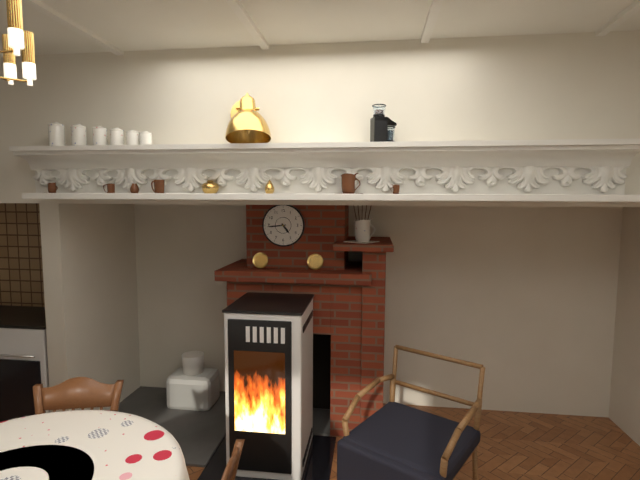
4:44
